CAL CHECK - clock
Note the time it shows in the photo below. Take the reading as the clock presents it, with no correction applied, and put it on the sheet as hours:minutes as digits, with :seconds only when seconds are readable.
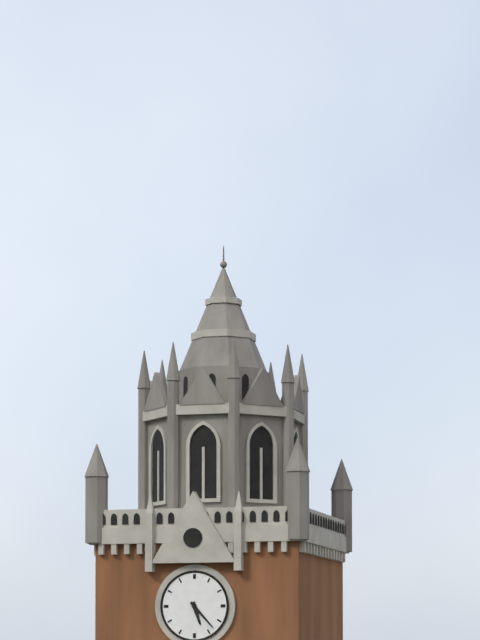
5:23
